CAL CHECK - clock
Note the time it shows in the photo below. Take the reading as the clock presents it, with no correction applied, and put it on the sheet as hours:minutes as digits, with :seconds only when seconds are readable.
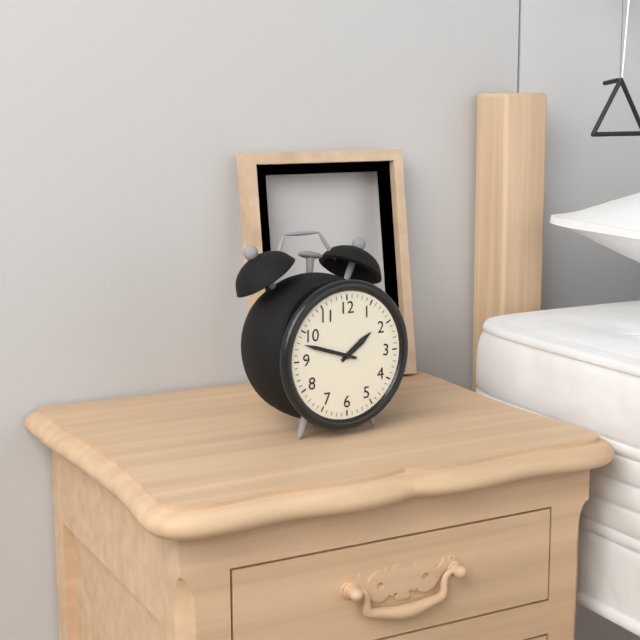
1:48
